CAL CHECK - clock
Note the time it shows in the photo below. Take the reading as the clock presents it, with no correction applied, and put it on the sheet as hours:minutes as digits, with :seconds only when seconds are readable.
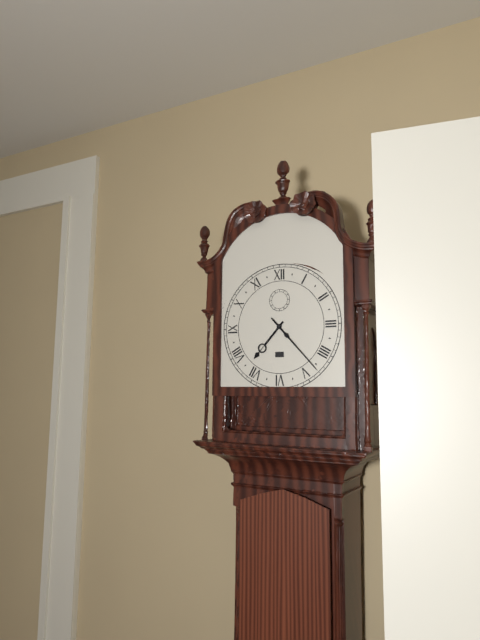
7:23
